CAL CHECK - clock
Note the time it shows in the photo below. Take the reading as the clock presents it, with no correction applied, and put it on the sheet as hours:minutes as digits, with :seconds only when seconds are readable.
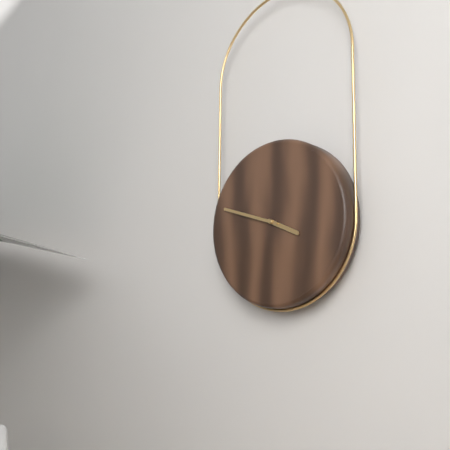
3:48
